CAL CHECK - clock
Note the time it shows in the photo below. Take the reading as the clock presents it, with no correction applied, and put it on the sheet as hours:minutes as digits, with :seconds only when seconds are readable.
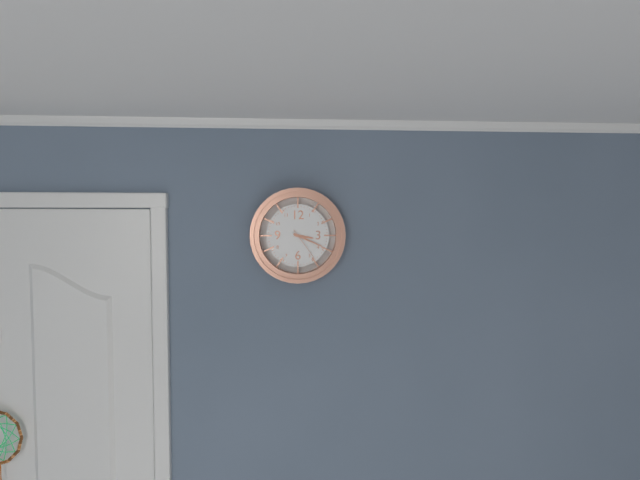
3:19
